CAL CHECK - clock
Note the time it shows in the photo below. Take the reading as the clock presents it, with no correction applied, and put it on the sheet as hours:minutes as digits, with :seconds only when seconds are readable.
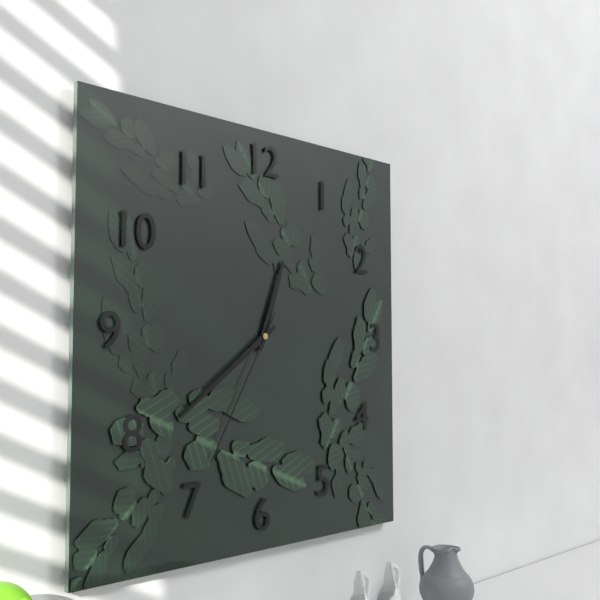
12:39:35
